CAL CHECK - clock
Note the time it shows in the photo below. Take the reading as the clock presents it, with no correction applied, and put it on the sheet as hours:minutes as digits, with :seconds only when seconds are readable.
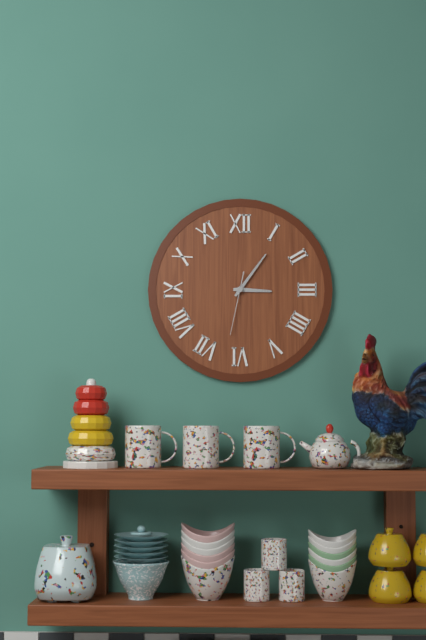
3:06:32
